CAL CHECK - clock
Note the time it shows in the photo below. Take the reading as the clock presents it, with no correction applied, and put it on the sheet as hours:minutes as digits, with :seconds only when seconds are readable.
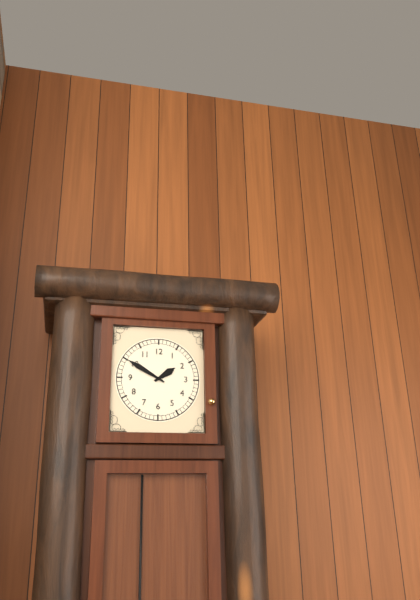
1:50
